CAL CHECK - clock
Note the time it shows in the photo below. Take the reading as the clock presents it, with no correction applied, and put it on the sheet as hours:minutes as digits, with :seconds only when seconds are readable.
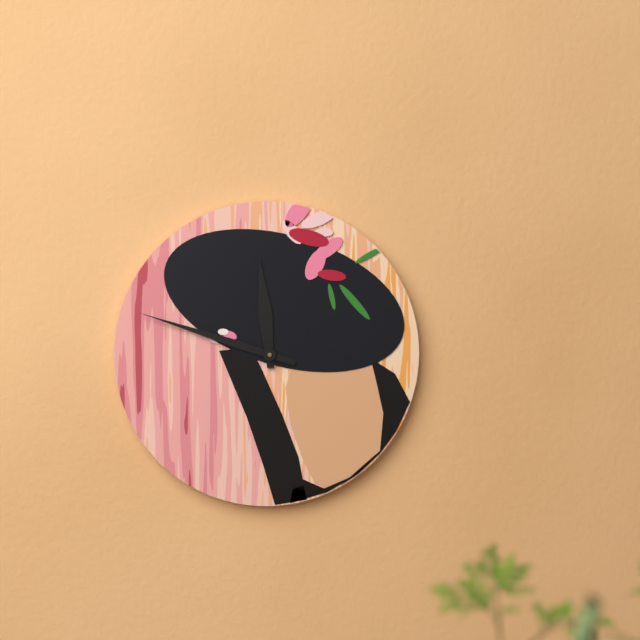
11:48
